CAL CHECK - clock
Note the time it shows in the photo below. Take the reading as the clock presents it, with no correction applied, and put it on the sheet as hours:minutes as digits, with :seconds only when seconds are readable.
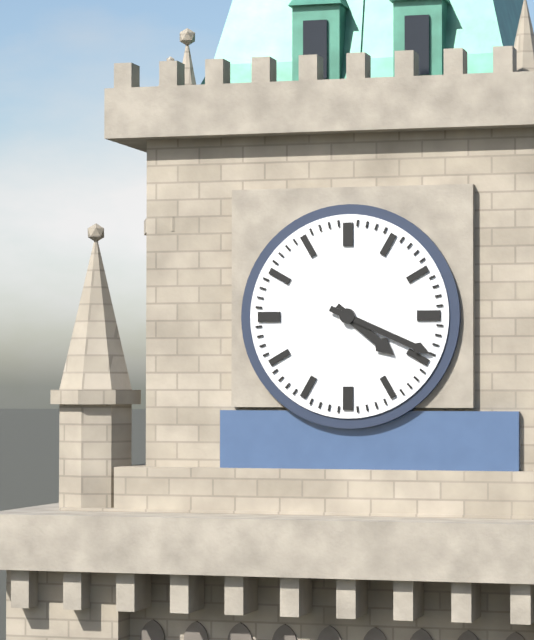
4:19
